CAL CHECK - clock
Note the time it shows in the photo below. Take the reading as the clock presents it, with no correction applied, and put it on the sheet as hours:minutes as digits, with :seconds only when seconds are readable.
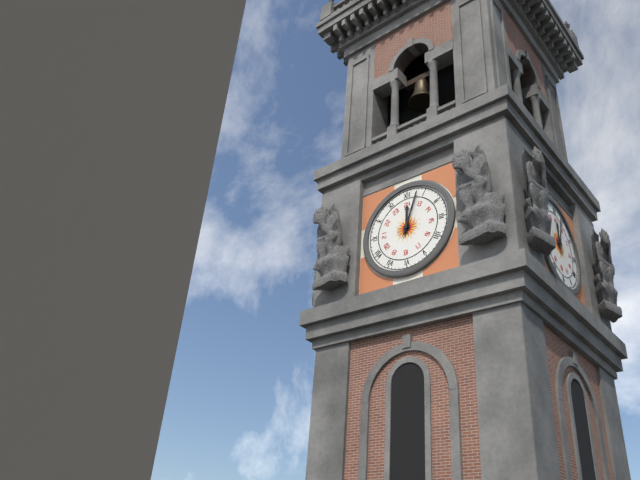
12:03
